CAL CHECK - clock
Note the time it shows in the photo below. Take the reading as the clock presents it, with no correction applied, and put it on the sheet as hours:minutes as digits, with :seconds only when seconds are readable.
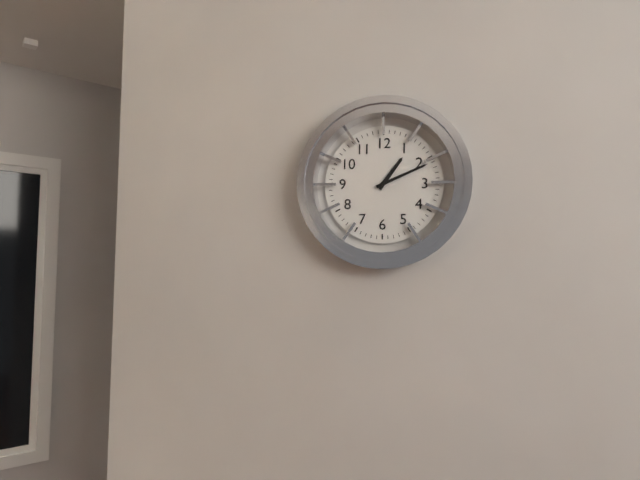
1:11
